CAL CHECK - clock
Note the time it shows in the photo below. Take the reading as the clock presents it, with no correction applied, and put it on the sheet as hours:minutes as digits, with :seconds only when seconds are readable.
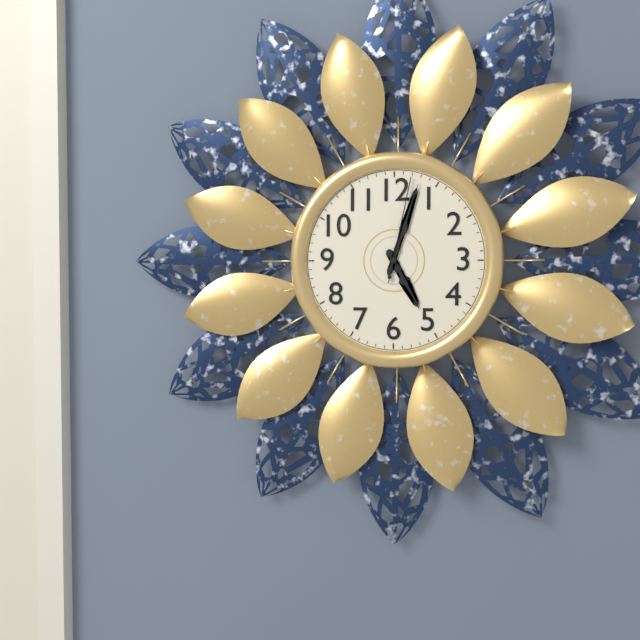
5:03:02
